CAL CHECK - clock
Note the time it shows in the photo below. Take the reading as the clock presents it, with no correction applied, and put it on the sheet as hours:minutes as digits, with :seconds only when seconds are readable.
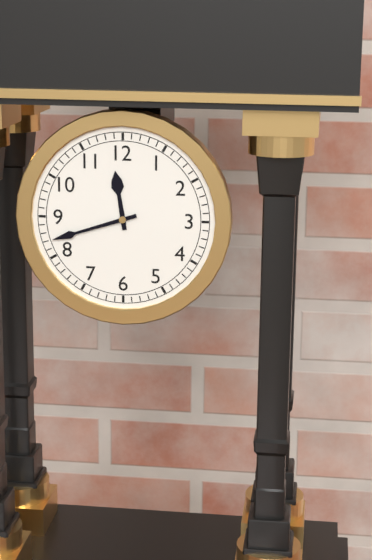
11:42
